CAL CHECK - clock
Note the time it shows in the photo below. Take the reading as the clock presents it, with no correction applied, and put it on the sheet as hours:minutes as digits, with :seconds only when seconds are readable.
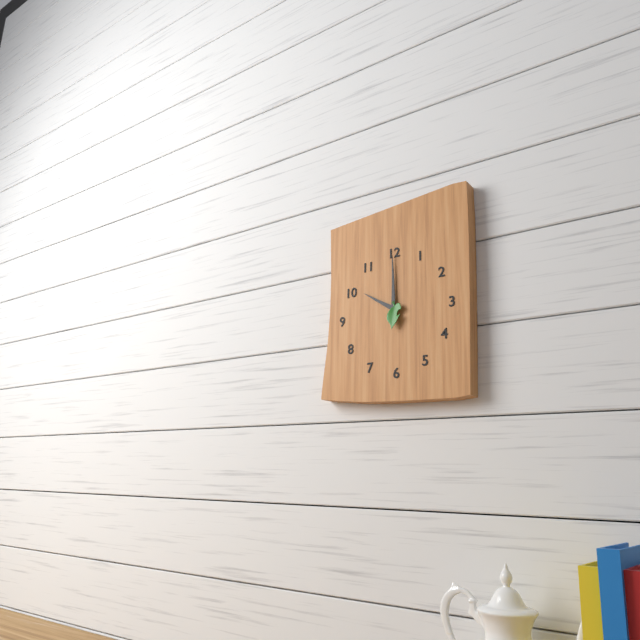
10:00
